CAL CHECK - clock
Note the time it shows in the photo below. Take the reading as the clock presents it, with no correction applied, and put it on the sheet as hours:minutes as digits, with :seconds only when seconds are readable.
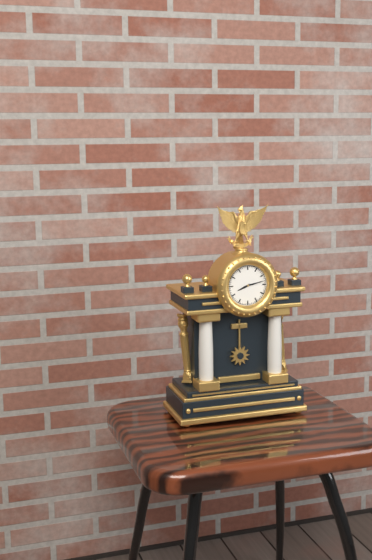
8:13
